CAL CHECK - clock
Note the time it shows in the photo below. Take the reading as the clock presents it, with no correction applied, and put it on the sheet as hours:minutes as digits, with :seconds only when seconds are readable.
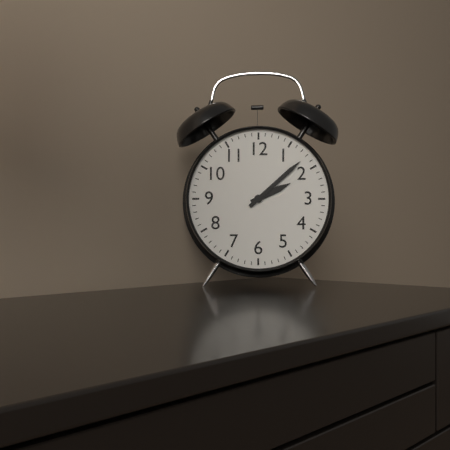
2:08
